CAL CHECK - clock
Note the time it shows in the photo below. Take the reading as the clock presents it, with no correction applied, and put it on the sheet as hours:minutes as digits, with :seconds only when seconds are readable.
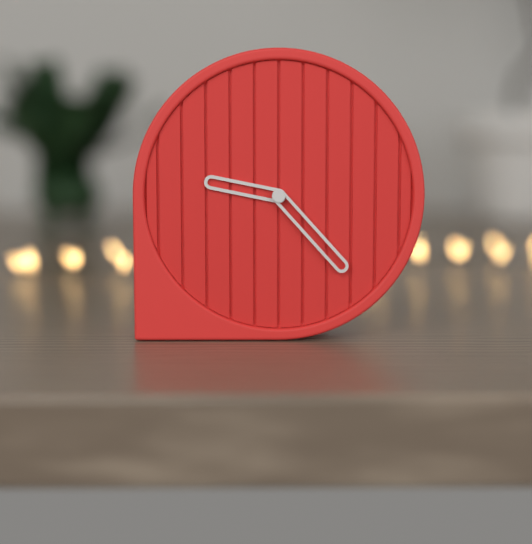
9:23
